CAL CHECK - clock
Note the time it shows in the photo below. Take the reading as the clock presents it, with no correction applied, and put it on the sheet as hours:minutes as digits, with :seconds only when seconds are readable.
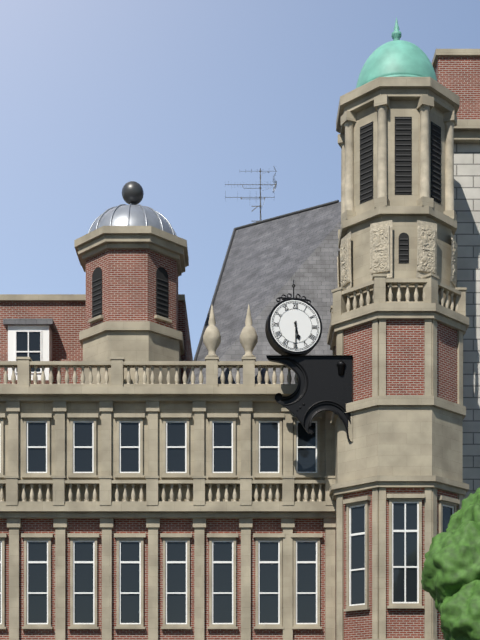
5:30
